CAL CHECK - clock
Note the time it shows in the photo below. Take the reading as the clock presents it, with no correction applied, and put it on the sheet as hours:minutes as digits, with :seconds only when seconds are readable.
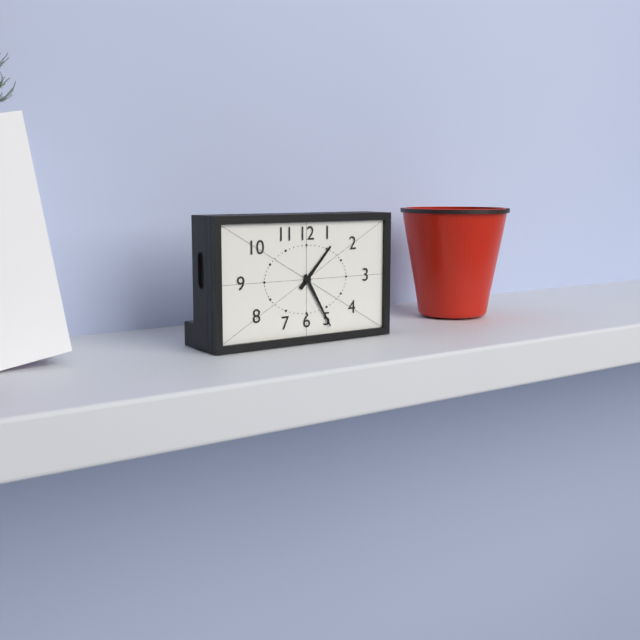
1:25
